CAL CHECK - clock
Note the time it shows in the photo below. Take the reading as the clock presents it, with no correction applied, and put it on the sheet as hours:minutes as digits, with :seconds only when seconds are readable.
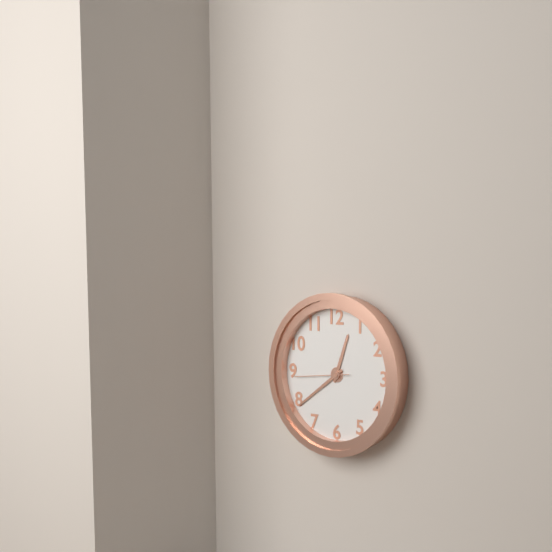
12:39:44
